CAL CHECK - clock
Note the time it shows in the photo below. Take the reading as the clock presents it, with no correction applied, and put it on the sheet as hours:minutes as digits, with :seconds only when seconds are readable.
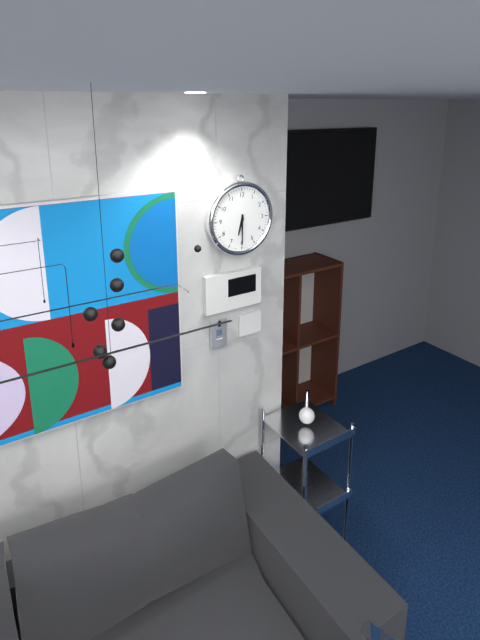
6:30
